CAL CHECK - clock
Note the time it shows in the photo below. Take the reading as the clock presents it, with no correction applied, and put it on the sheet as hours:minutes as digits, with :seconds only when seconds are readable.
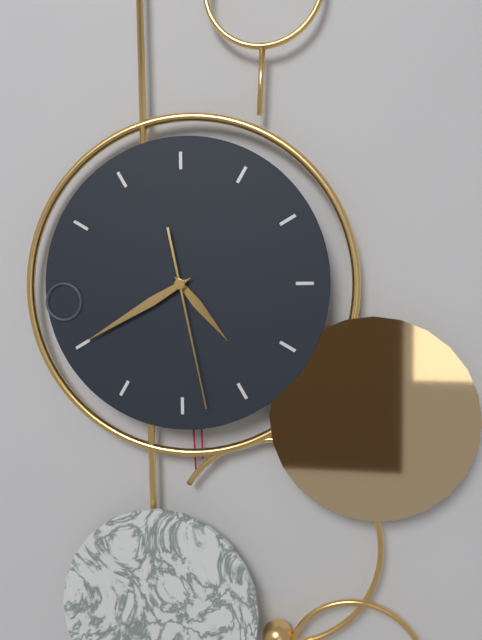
4:40:28
